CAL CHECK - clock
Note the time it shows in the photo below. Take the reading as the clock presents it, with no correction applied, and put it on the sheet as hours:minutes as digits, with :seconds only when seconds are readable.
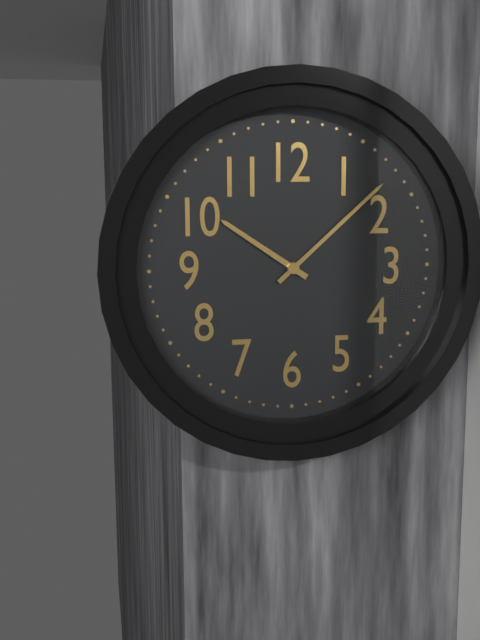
10:08
